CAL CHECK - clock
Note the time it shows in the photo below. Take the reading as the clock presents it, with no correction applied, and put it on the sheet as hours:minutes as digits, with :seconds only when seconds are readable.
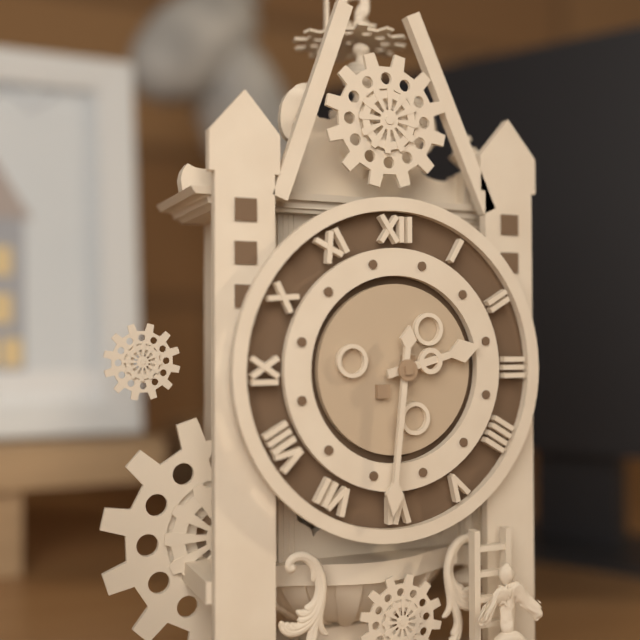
2:31
